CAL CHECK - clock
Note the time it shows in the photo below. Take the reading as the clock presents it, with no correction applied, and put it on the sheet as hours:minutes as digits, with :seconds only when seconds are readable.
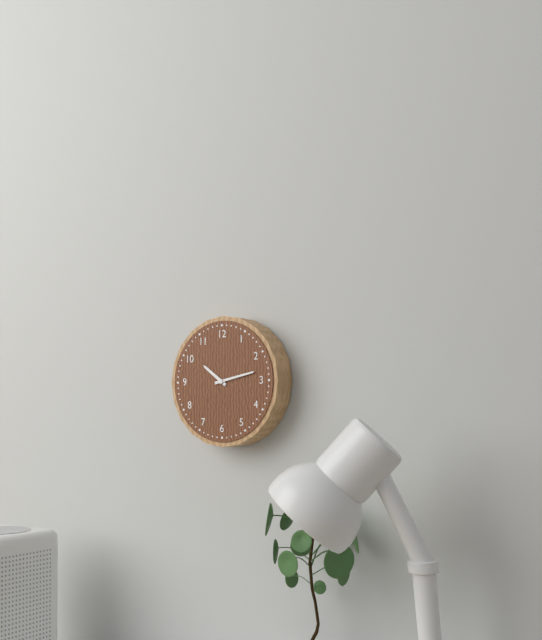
10:13
